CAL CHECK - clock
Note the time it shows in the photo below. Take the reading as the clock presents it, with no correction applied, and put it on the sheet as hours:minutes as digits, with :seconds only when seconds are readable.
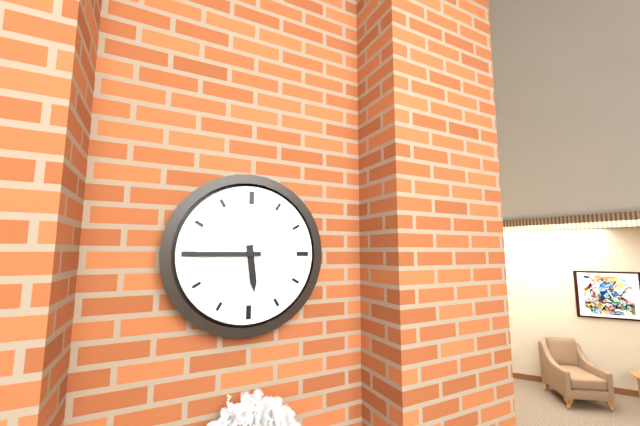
5:45
